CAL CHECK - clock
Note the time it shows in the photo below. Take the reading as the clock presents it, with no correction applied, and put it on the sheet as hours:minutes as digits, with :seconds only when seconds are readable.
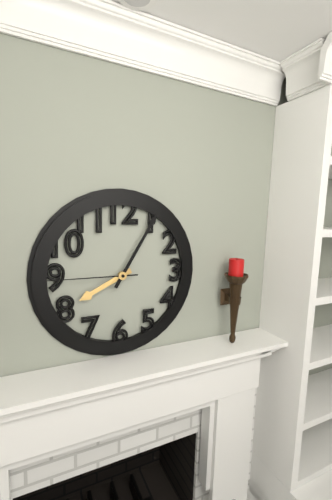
8:05:45
